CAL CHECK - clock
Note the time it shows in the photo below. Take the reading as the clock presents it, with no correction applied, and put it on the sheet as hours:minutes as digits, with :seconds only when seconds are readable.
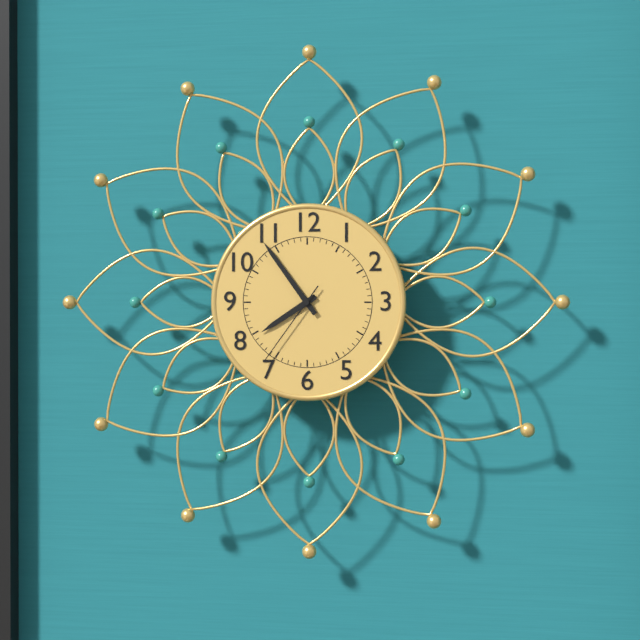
7:54:36
